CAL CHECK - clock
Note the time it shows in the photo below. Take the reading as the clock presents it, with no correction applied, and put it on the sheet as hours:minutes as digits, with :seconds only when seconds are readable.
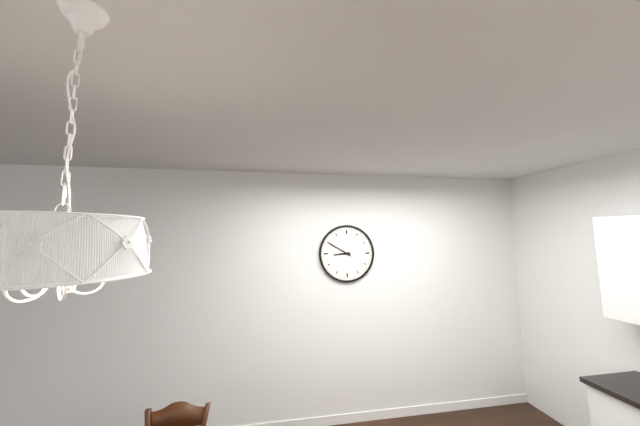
8:50
